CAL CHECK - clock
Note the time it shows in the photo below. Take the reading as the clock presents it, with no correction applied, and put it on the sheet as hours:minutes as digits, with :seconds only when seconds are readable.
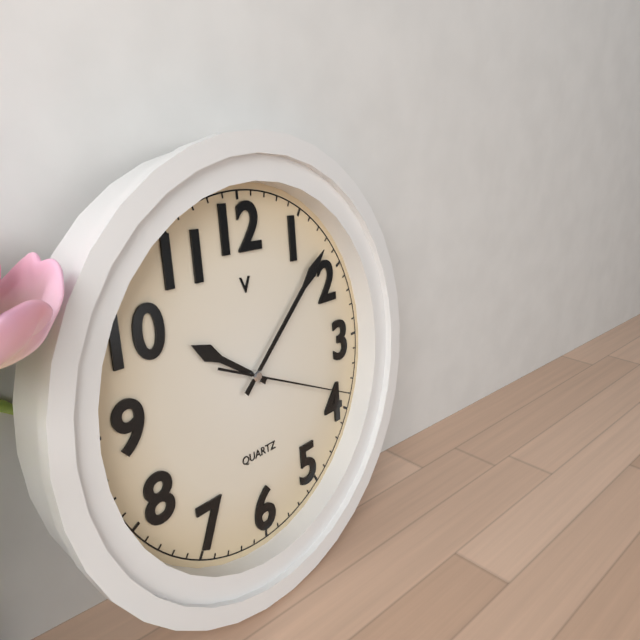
10:08:19
